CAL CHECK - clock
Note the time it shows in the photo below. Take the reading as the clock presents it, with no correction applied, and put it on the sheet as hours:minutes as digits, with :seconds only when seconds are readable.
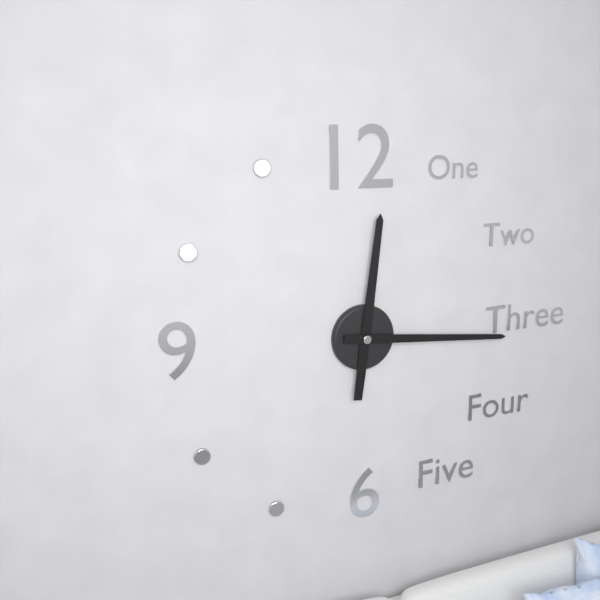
12:16
